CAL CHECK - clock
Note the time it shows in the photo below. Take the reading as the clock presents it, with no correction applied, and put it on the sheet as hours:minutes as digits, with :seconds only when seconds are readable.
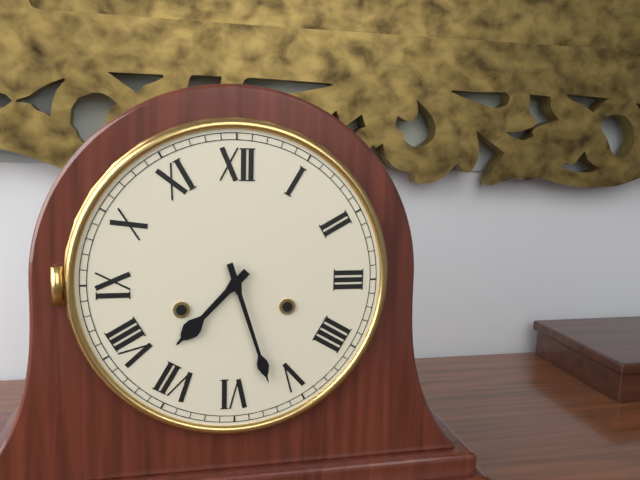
7:27
